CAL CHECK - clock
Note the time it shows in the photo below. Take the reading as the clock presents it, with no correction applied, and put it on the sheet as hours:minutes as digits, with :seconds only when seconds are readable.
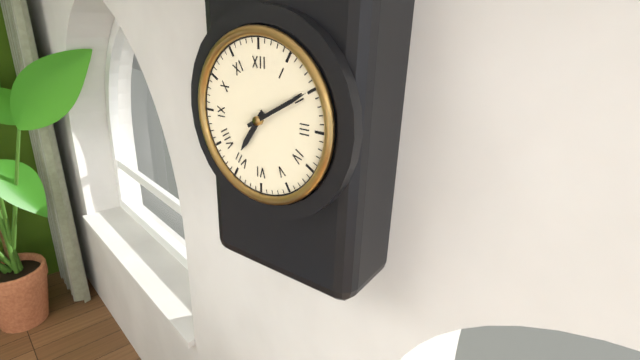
7:10
